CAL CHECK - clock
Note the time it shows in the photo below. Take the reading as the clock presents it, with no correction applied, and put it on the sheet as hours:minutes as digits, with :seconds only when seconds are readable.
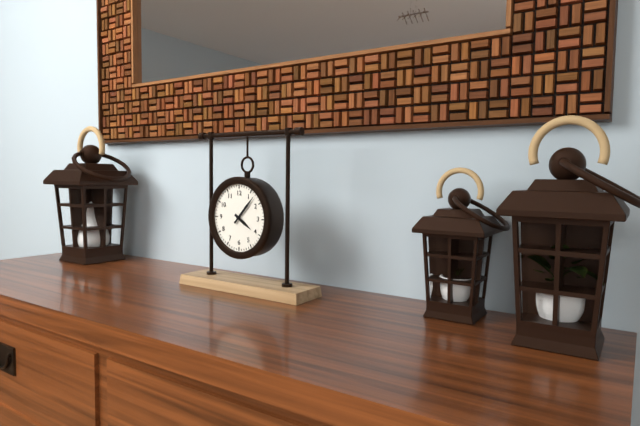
4:07
